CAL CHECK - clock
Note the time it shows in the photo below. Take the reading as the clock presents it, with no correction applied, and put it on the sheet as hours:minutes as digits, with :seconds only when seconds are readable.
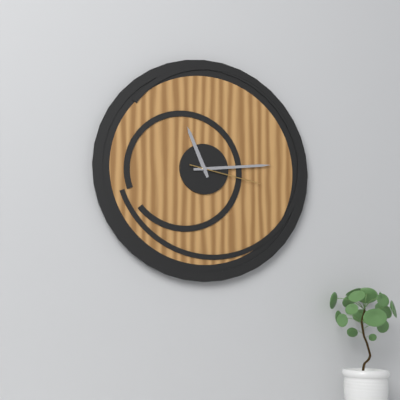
11:14:17
